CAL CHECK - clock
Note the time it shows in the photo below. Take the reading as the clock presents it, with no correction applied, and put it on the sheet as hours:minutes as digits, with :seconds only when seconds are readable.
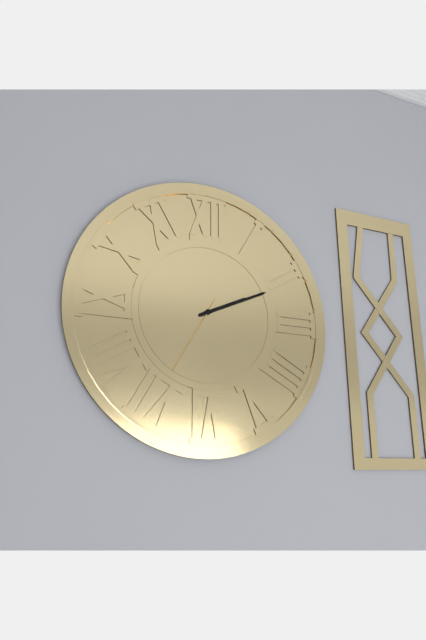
2:11:35
